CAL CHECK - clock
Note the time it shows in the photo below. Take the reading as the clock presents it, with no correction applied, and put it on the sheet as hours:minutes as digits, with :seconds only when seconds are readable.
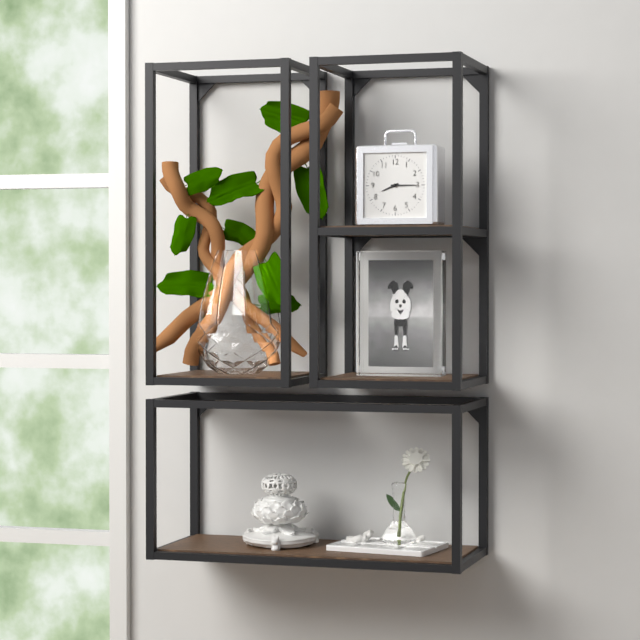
8:15
